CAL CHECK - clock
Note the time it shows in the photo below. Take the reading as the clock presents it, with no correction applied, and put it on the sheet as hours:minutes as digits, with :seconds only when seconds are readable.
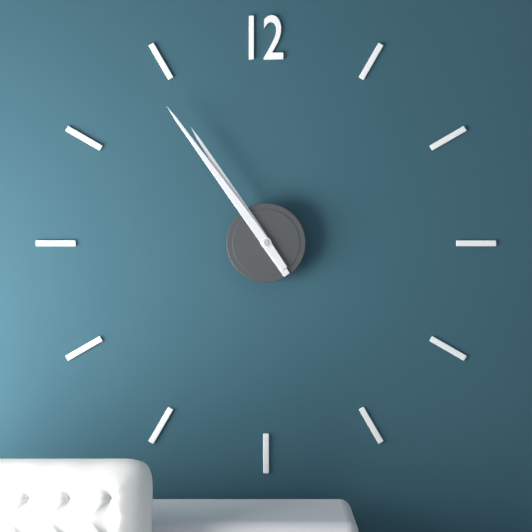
10:54
